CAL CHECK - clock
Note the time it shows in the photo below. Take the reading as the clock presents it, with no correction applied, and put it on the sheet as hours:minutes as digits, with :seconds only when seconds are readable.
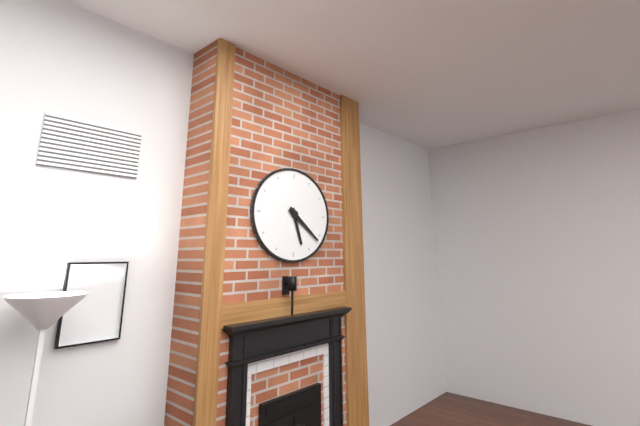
5:21
